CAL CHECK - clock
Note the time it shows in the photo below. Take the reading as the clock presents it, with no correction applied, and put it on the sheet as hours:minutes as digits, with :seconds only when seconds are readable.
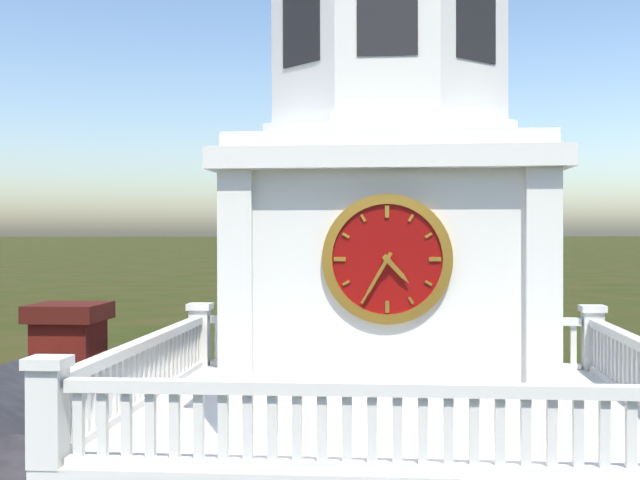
4:35
